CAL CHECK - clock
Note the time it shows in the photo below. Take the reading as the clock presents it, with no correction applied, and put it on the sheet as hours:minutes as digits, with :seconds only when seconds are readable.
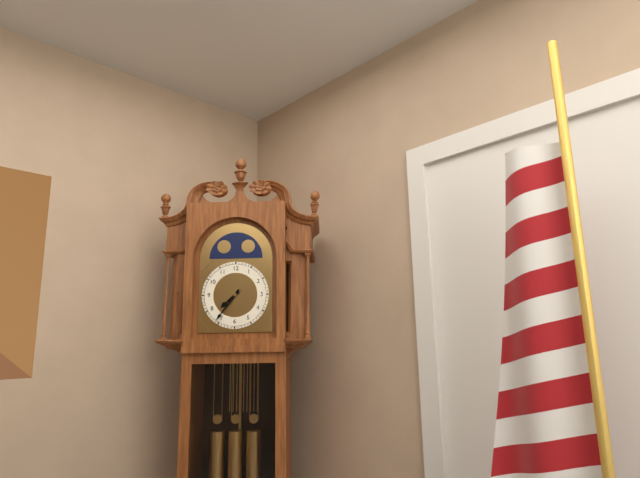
7:36
